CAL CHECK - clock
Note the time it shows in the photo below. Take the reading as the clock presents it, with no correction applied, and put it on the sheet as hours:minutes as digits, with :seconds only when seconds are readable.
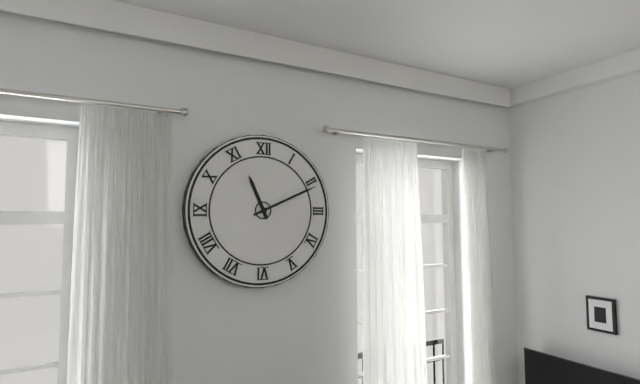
11:11
